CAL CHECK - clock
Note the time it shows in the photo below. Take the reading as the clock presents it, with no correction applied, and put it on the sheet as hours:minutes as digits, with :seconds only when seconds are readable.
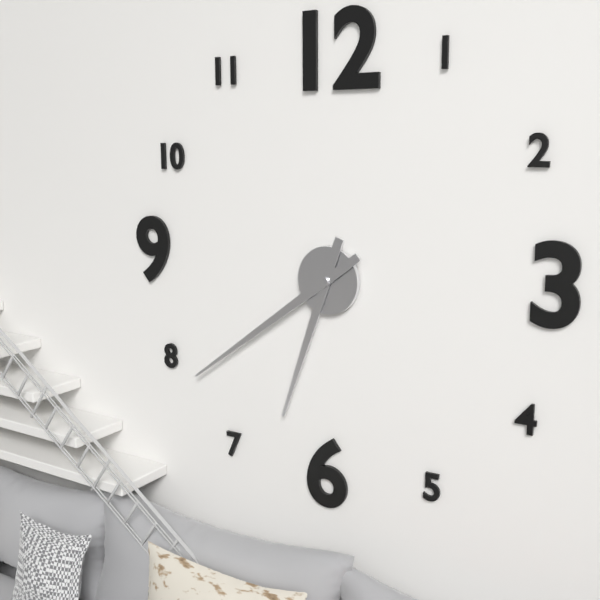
6:39
